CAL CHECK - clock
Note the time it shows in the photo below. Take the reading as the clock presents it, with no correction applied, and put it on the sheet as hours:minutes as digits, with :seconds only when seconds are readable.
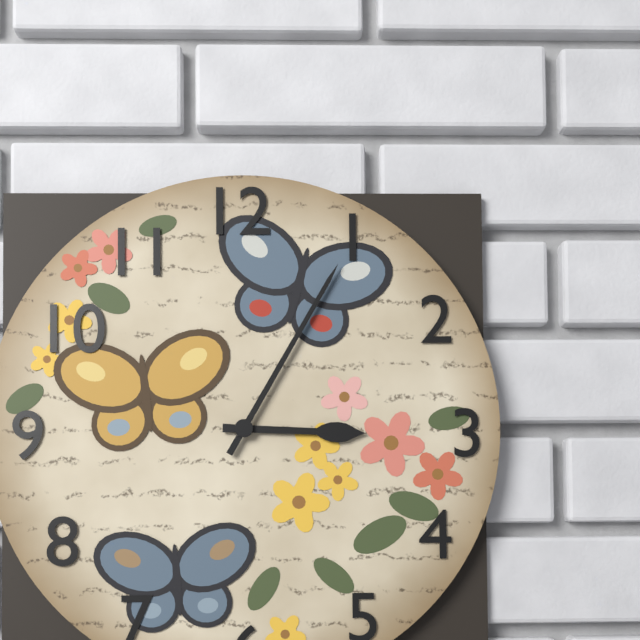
3:05
